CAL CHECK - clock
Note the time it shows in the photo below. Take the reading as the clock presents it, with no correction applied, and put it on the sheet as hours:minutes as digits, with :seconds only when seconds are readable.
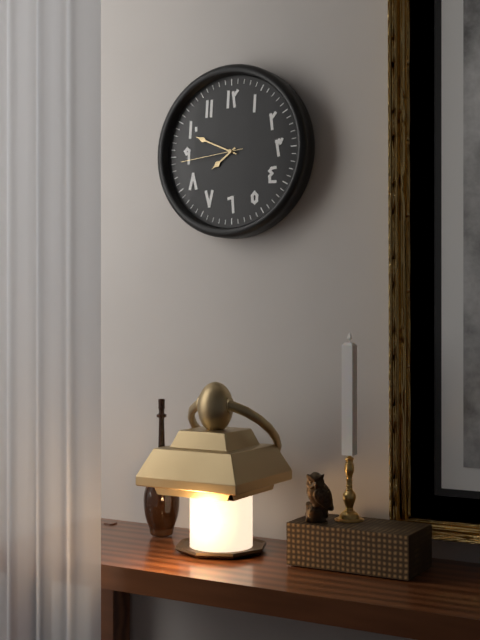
7:49:44
